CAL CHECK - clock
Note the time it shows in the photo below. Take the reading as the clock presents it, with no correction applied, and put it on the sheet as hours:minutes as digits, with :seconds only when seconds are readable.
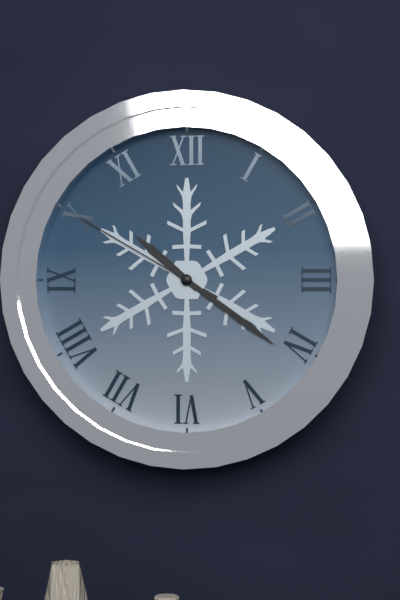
10:21:50
